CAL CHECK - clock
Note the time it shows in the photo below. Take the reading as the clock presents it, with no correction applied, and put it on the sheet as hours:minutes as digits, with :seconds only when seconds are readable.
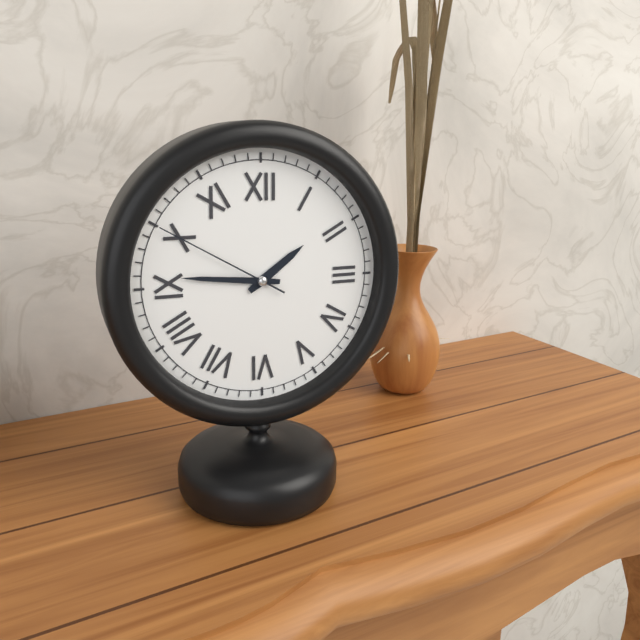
1:46:50
